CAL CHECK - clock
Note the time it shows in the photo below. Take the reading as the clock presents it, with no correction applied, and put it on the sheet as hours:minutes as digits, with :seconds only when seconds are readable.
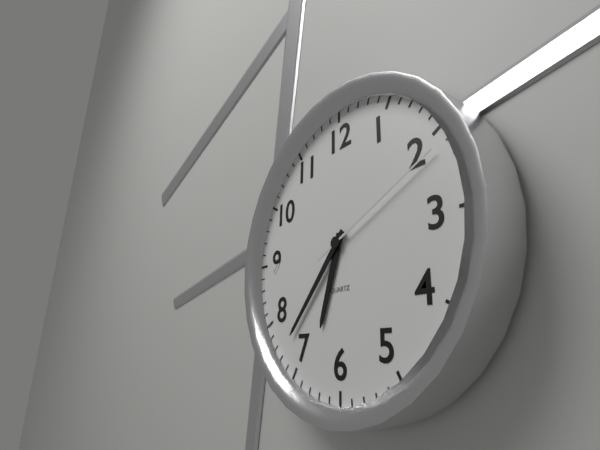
6:37:11
